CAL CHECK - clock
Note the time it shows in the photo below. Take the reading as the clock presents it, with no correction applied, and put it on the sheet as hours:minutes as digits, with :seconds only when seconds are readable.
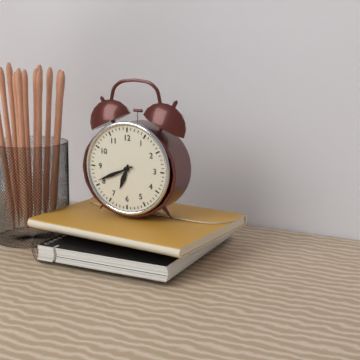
6:41
